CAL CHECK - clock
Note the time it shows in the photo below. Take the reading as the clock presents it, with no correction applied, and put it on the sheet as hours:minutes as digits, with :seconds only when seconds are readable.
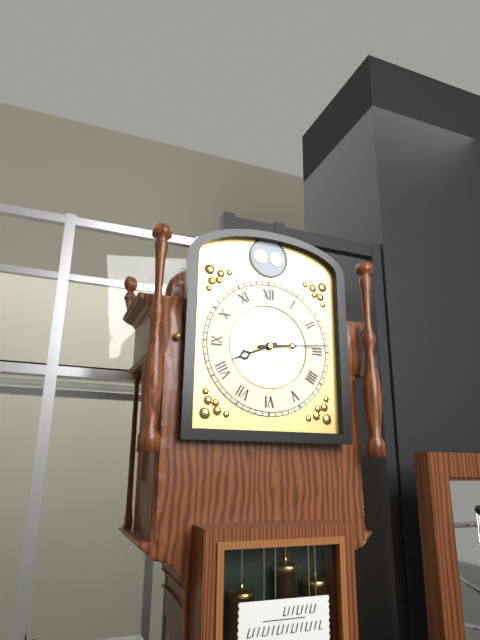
8:14
